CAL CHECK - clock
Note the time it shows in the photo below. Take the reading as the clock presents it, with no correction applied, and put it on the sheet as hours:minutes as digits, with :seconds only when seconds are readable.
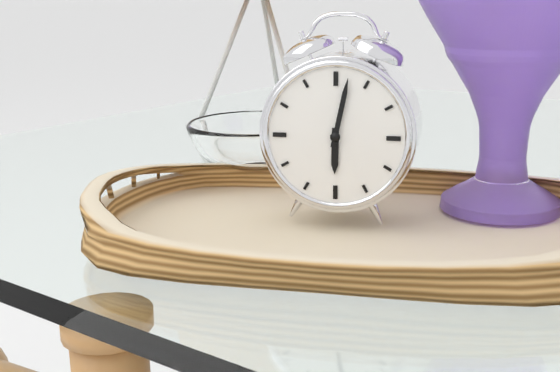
6:02
